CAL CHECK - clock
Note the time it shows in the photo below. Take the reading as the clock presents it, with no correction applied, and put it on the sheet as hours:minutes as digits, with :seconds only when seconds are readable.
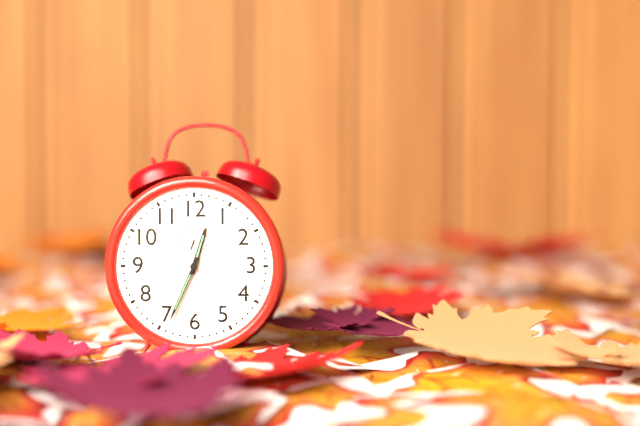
12:34
